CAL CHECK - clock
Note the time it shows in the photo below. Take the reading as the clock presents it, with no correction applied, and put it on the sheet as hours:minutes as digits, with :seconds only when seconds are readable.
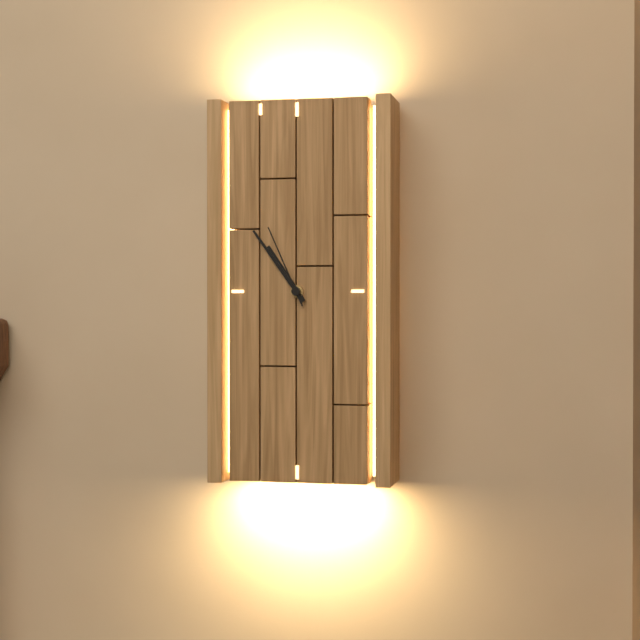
10:54:56
